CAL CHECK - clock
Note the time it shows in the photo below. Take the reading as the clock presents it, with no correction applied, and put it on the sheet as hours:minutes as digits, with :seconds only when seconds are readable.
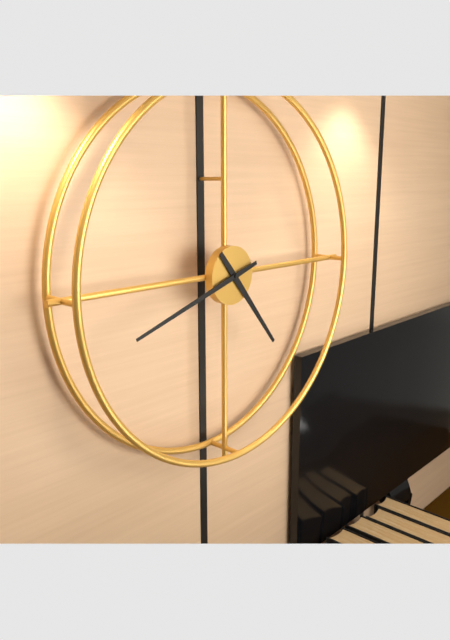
4:42
